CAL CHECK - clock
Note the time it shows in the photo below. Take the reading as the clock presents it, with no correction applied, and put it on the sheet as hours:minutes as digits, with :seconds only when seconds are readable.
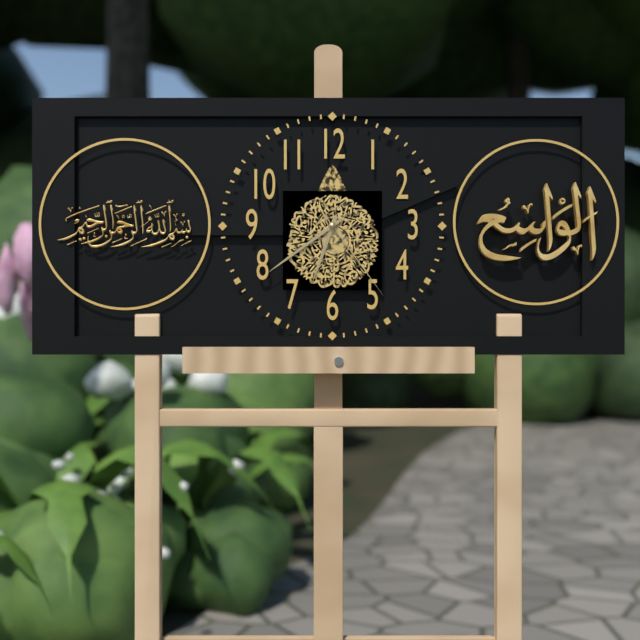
6:39:24
